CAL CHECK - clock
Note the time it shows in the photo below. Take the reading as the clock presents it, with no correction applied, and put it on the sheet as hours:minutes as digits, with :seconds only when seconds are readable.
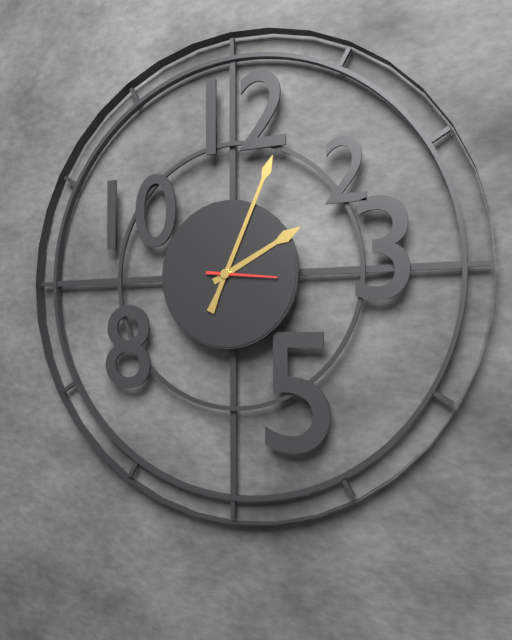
2:04:16
